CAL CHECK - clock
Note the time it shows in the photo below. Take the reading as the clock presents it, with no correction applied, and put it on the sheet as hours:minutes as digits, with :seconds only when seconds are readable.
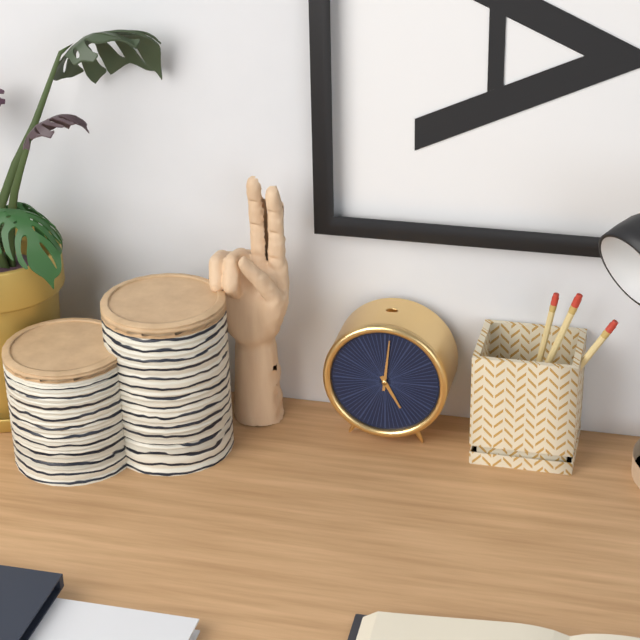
5:01
